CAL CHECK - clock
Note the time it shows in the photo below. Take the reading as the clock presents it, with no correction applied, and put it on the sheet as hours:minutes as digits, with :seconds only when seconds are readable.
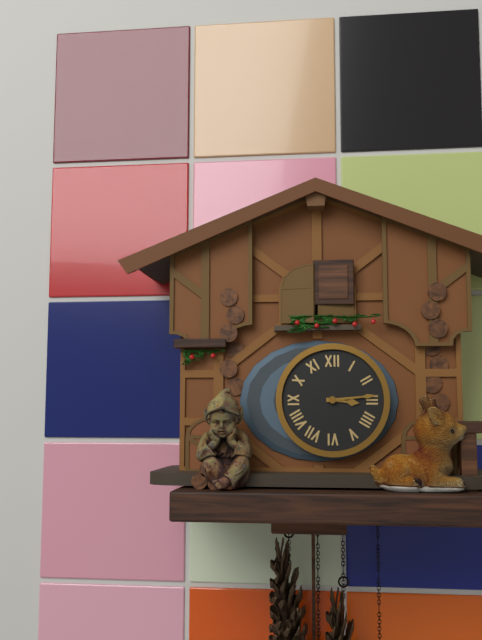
3:14
